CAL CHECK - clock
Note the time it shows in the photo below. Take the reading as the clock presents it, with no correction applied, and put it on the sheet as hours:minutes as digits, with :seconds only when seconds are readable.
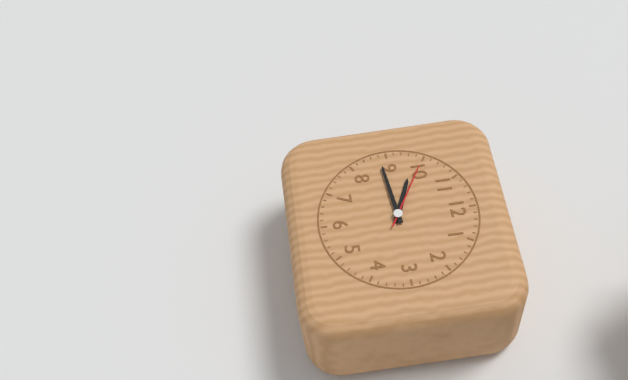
9:44:50
